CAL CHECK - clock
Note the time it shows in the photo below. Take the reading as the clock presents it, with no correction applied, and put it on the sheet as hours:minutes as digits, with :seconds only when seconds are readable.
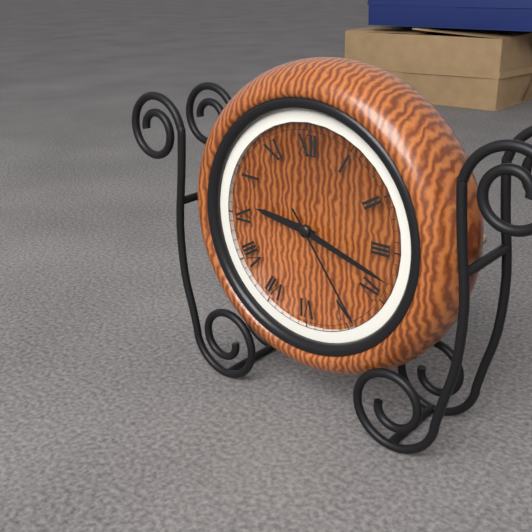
9:18:24
